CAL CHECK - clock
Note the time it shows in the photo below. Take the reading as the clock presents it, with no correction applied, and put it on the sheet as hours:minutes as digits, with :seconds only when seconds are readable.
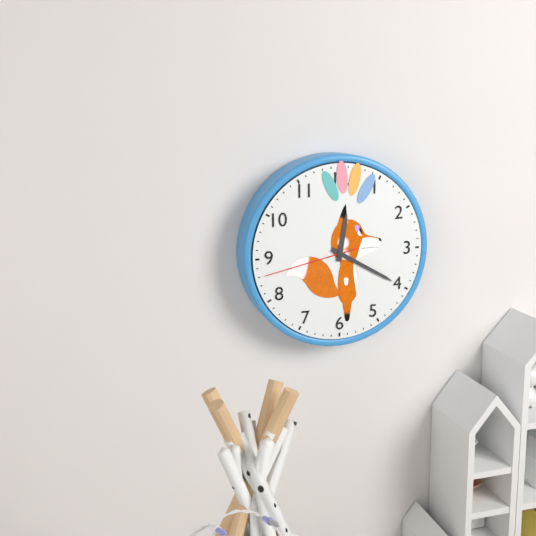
12:20:43
